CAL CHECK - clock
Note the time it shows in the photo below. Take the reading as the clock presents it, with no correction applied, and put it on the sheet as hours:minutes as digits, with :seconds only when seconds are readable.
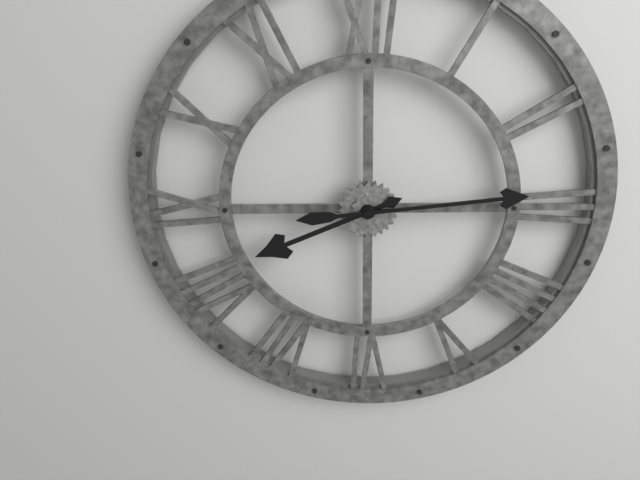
8:14
